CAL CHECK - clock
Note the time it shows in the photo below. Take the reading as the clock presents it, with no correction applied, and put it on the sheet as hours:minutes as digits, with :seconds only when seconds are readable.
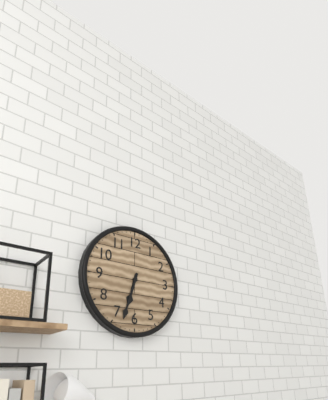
6:33
